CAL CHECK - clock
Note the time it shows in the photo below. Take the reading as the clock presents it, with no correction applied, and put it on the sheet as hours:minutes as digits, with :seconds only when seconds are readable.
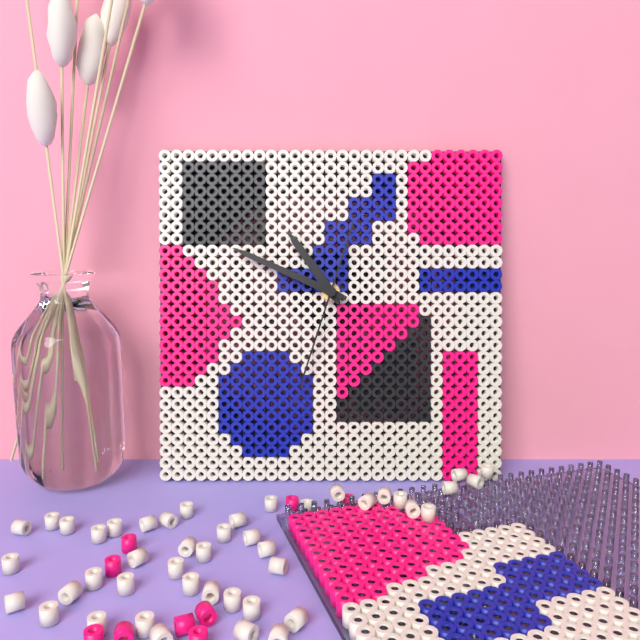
10:49:33
